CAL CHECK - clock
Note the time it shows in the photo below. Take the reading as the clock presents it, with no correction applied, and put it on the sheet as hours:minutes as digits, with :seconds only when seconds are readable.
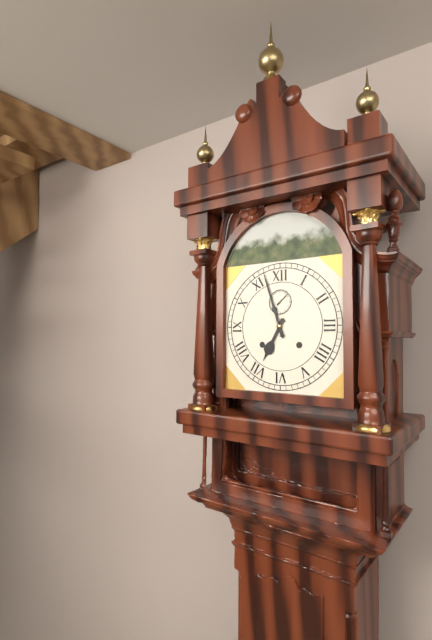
6:57
